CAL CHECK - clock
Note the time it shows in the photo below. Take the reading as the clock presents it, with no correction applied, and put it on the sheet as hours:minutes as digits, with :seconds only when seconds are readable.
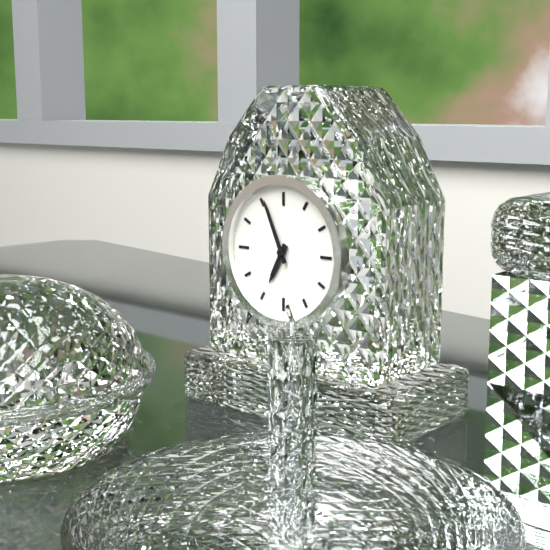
6:56
